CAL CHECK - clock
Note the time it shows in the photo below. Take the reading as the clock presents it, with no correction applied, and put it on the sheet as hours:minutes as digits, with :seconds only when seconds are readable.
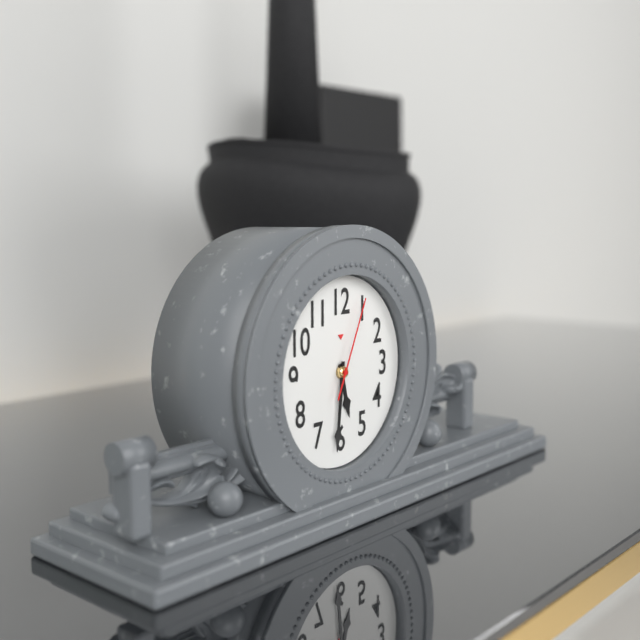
5:31:04
